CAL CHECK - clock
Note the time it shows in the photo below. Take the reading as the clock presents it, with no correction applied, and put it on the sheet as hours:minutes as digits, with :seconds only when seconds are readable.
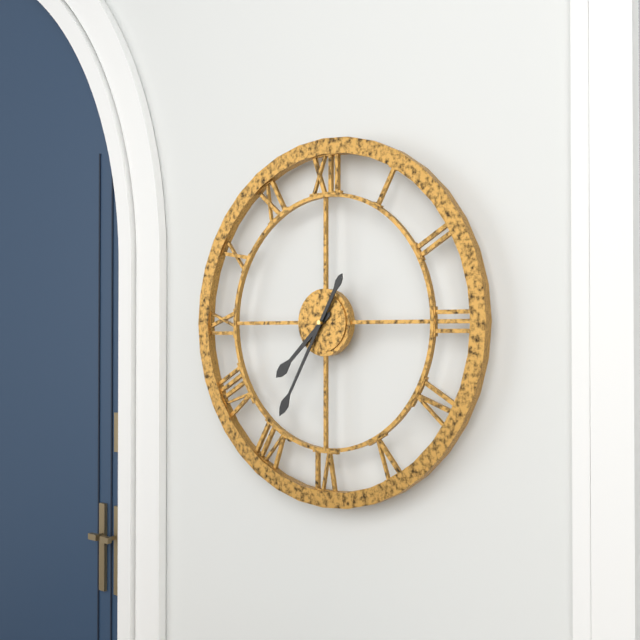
7:35
